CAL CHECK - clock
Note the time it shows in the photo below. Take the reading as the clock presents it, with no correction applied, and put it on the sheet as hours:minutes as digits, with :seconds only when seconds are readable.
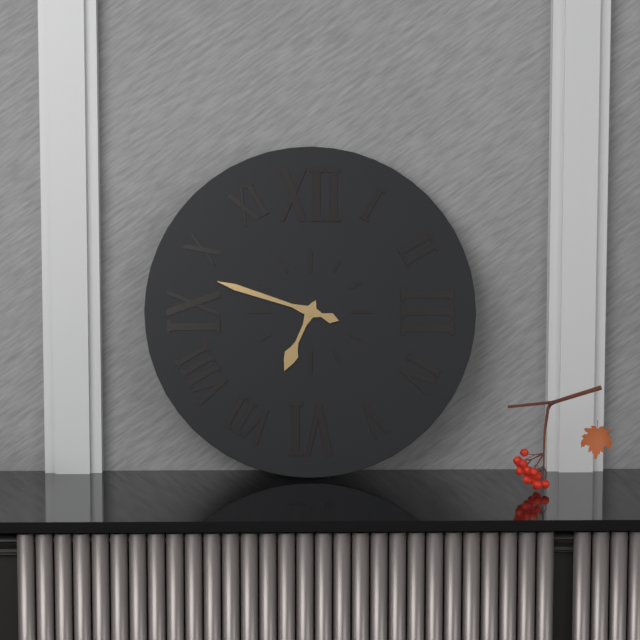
6:48
